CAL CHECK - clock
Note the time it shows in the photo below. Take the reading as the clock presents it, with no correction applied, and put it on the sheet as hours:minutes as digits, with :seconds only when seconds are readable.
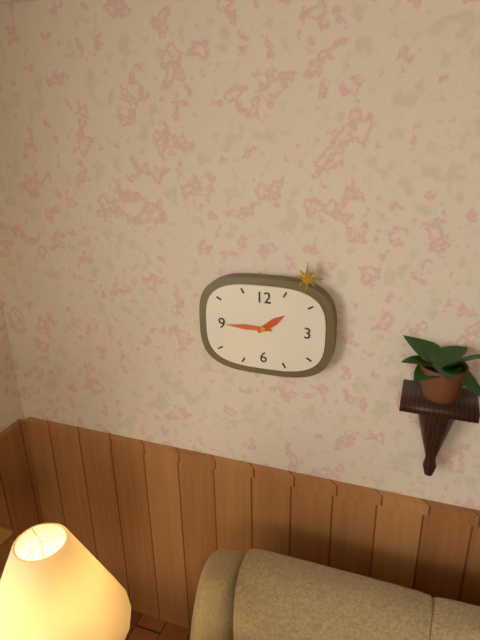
1:45
